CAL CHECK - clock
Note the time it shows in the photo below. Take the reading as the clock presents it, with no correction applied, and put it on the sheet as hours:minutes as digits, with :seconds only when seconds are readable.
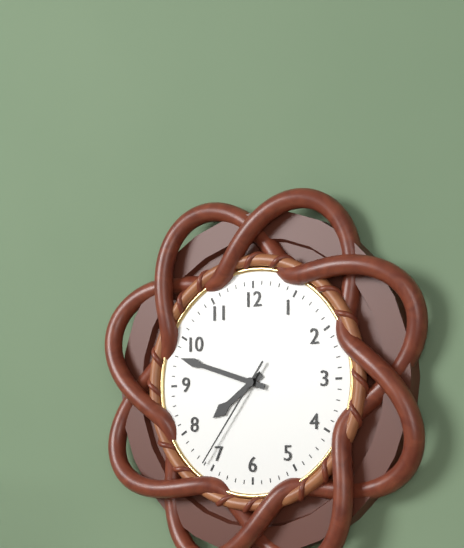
7:48:36
